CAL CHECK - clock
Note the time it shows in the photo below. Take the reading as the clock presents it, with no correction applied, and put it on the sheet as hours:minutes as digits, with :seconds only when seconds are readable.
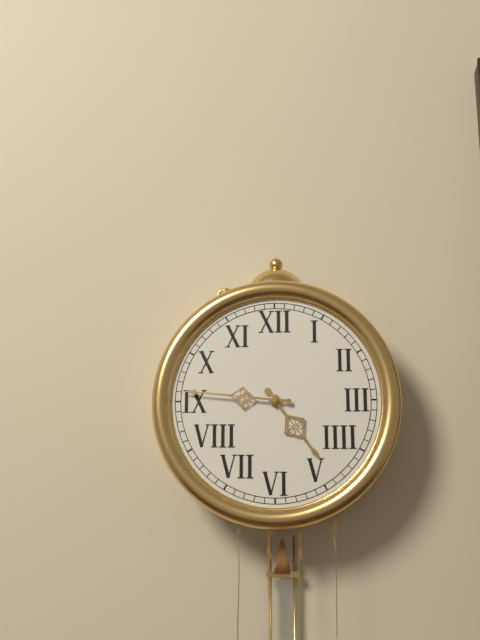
4:46
